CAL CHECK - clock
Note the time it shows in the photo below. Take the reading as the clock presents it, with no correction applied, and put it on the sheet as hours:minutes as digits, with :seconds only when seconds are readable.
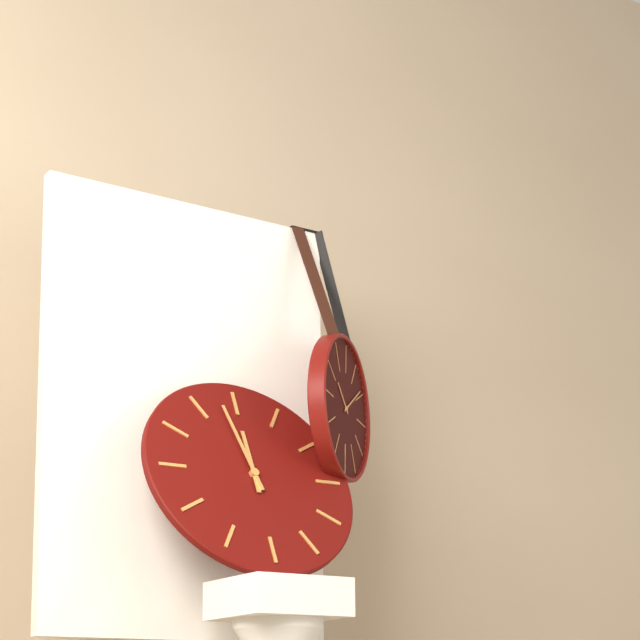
11:58
